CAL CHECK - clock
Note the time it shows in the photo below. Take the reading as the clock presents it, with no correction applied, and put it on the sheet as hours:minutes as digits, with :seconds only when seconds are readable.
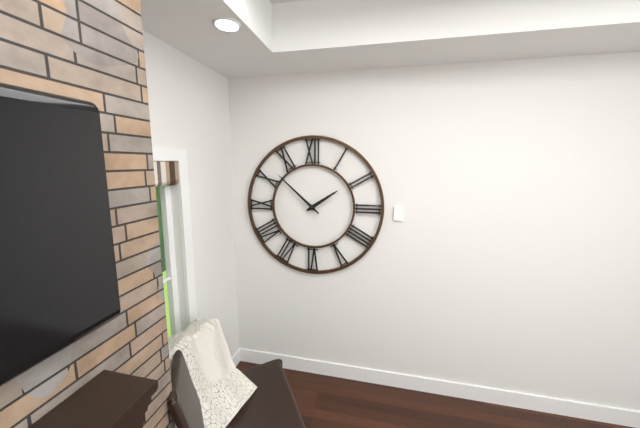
1:52
